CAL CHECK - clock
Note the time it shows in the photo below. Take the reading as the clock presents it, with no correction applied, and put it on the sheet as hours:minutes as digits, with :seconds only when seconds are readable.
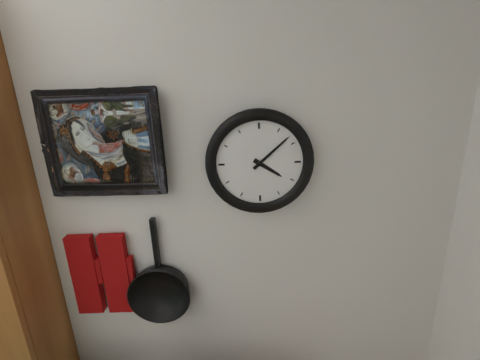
4:08
